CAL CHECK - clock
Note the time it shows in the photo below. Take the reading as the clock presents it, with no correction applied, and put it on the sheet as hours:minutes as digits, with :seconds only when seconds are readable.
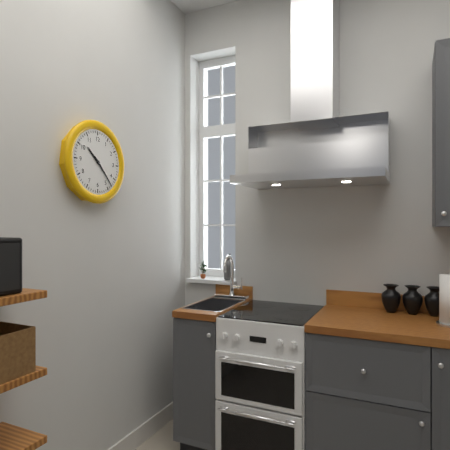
10:23
